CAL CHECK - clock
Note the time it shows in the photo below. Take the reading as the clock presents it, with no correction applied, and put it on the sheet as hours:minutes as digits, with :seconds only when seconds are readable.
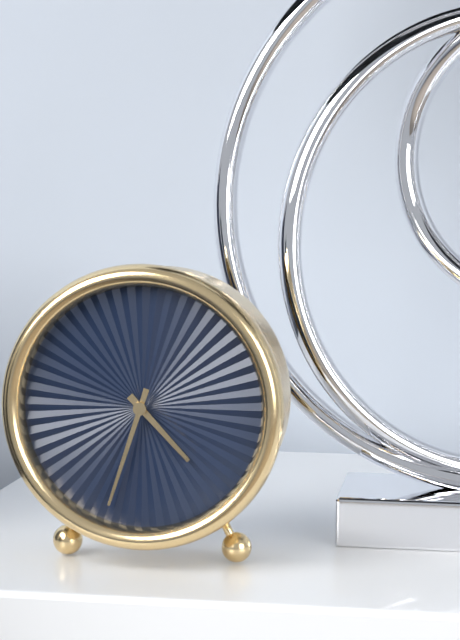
4:33
